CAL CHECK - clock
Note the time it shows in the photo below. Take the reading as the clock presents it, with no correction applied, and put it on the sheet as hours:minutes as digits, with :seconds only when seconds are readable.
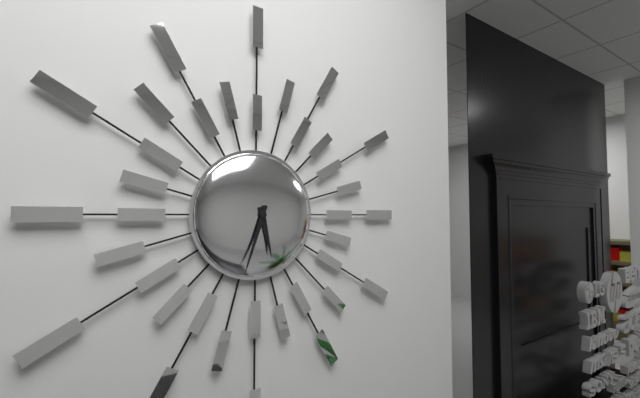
5:33
